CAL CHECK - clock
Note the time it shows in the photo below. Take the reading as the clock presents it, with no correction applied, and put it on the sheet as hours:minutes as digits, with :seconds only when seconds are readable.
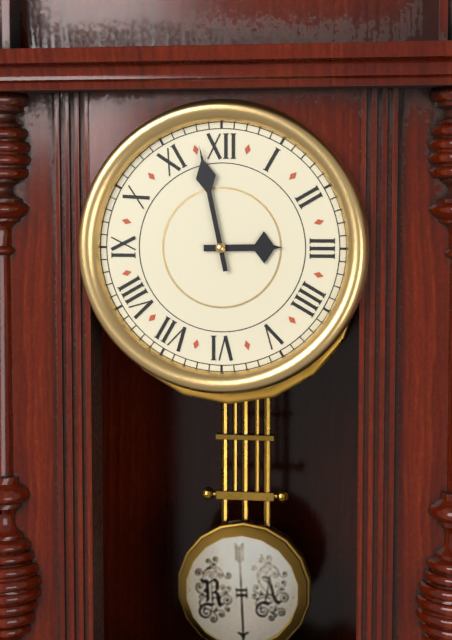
2:58
